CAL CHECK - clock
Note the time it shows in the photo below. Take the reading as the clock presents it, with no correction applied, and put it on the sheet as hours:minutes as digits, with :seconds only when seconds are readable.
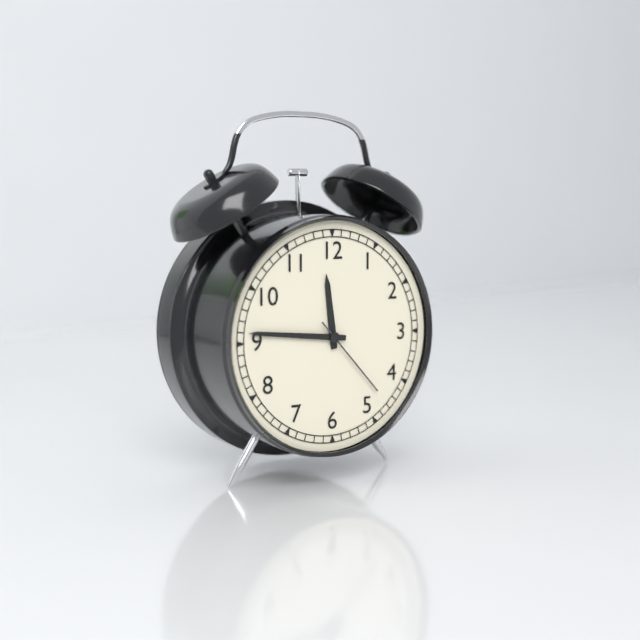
11:46:23
